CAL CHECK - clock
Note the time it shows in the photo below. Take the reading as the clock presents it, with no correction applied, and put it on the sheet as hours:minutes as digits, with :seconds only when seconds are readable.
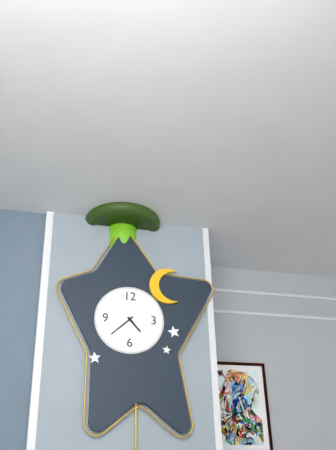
4:38
